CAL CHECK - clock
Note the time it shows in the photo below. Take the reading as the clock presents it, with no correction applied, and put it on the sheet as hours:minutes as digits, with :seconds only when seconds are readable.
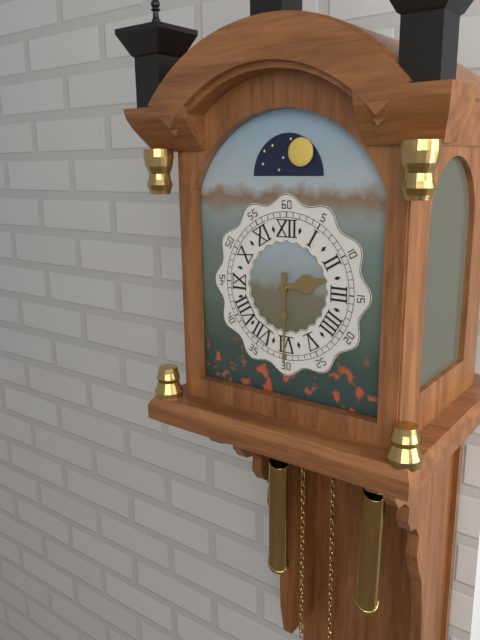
2:30
